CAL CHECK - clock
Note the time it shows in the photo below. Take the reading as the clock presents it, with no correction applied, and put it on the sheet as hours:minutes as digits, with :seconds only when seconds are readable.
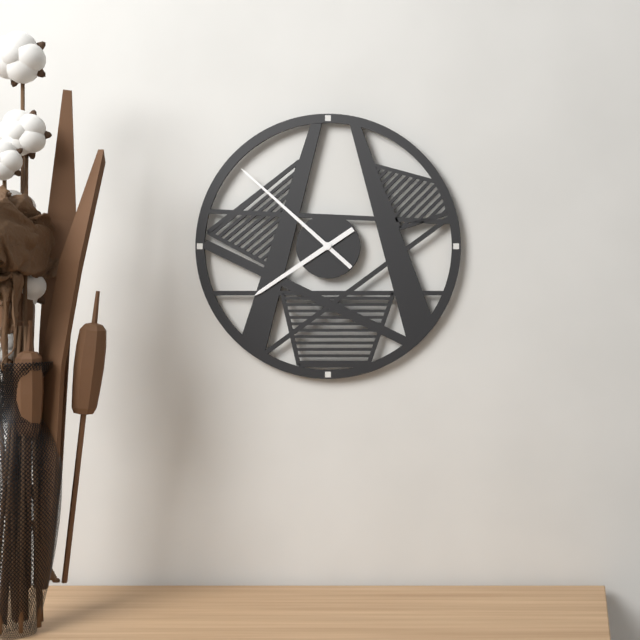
7:52
